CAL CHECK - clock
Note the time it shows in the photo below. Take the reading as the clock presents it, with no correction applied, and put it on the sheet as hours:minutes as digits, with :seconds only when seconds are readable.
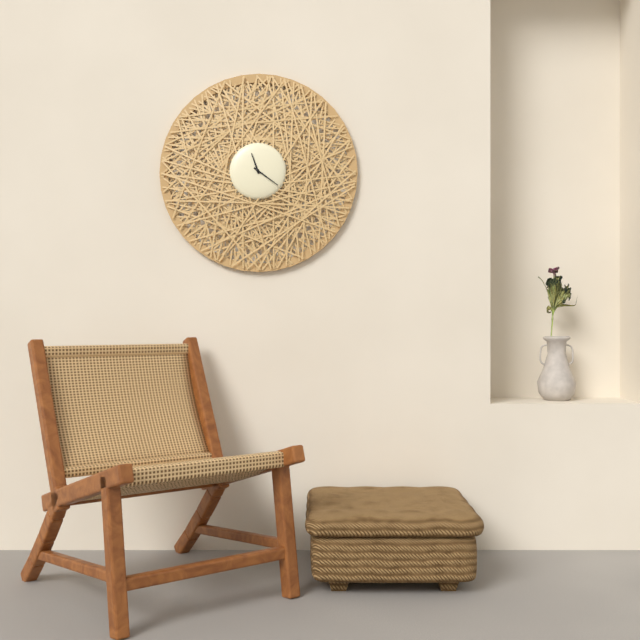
11:21
